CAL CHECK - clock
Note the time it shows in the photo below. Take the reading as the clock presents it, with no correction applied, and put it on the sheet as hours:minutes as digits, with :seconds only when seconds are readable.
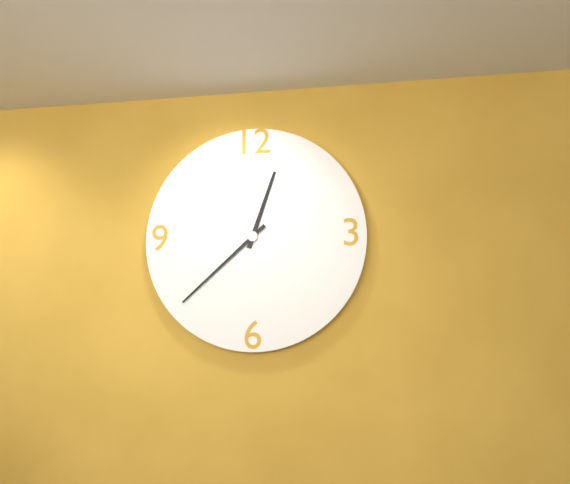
12:38
